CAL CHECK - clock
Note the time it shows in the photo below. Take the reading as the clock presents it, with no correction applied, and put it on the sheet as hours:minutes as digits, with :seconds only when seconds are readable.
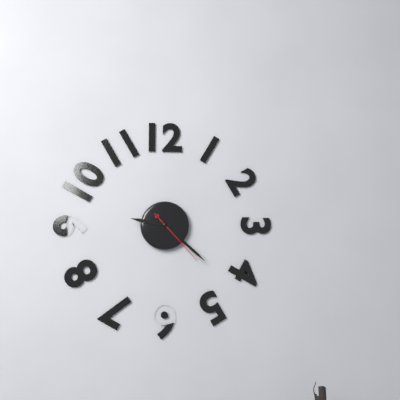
9:22:23
